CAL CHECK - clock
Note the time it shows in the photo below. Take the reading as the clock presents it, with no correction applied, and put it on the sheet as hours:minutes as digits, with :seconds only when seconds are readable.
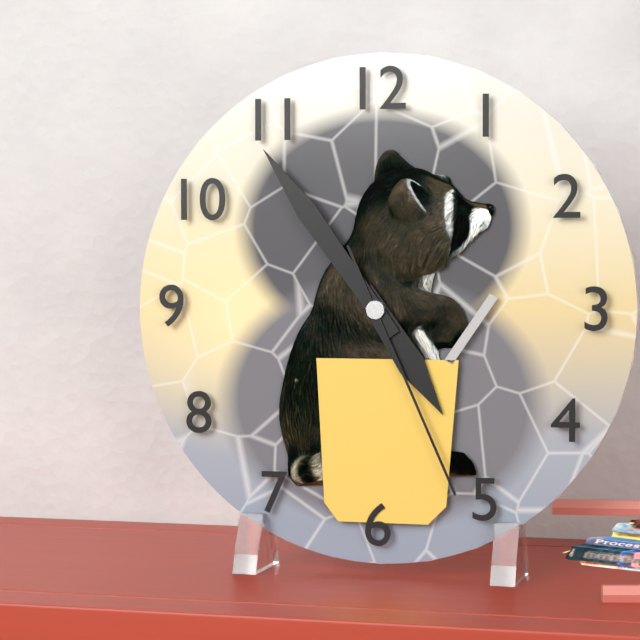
4:54:26
